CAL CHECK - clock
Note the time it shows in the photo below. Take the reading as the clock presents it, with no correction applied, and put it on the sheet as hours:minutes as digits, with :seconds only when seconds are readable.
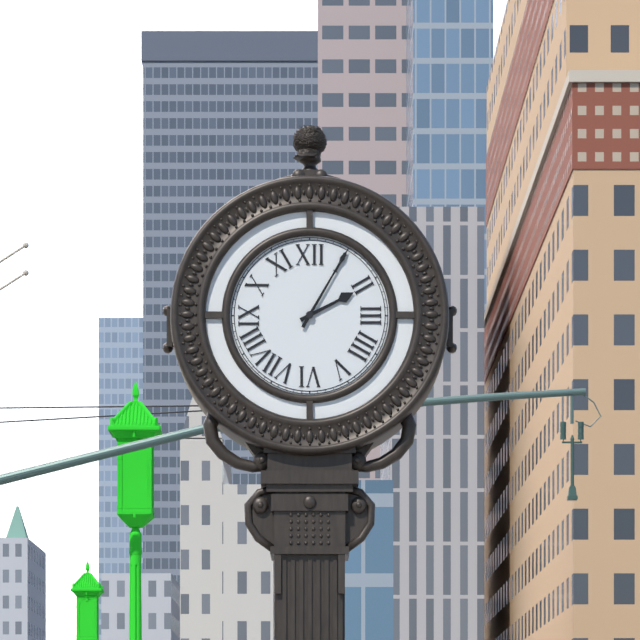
2:05
